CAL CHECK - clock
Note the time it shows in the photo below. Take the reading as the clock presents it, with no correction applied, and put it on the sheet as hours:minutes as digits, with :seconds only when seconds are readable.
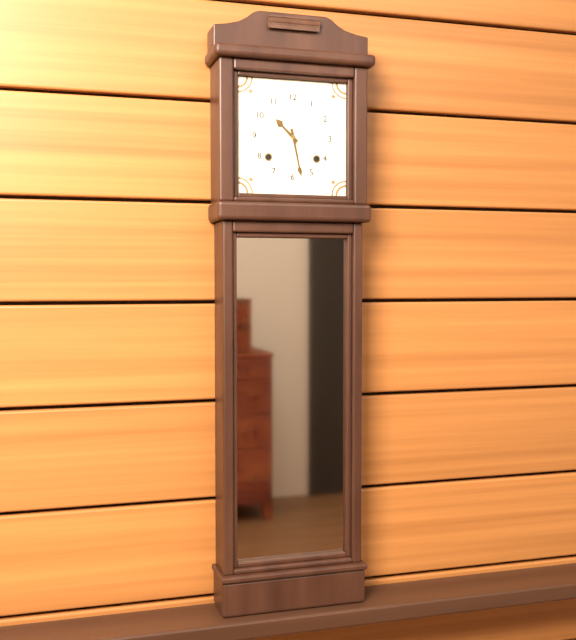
10:28
